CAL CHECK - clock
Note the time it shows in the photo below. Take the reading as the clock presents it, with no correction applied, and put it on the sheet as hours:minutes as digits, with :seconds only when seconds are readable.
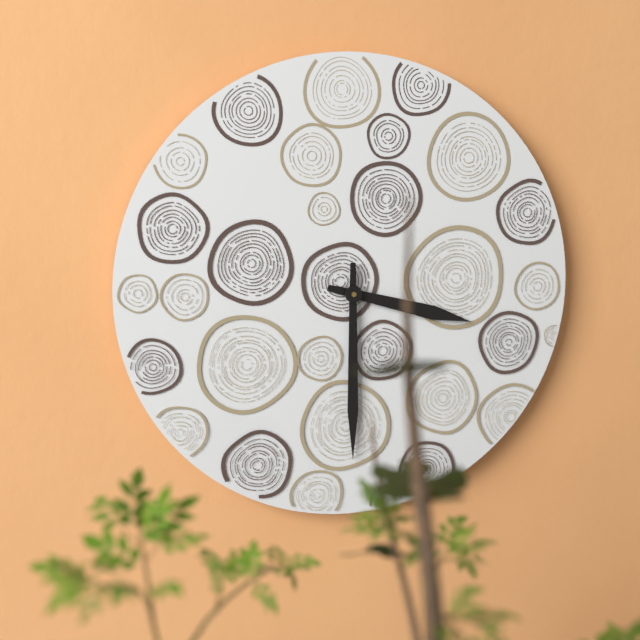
3:30
